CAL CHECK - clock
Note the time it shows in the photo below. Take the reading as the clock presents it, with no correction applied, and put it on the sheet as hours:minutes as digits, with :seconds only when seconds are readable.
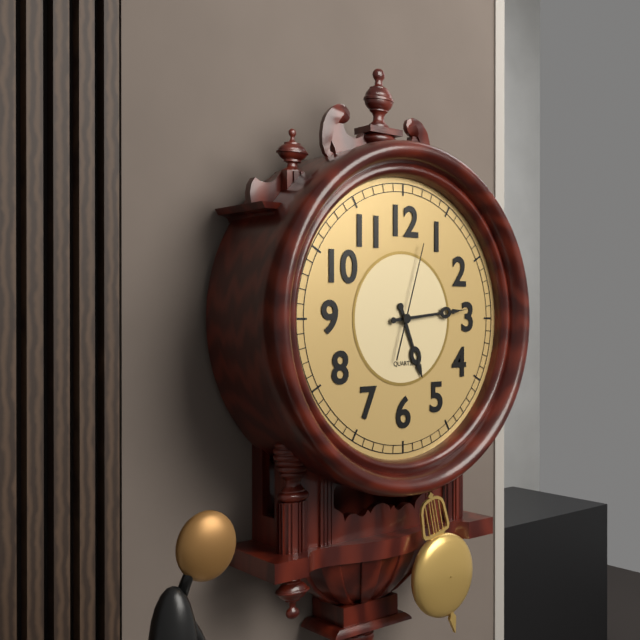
5:14:03
